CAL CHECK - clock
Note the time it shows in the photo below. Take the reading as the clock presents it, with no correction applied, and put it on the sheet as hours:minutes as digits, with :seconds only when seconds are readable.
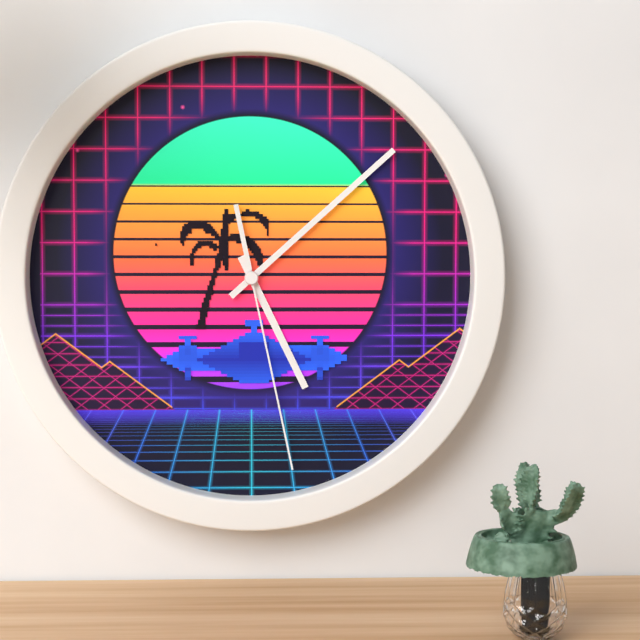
5:08:28
